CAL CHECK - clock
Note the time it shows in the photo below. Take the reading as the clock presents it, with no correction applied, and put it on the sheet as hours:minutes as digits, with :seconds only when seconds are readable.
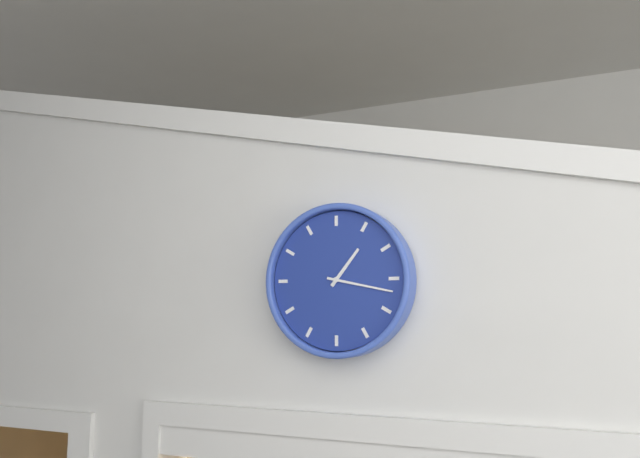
1:17
